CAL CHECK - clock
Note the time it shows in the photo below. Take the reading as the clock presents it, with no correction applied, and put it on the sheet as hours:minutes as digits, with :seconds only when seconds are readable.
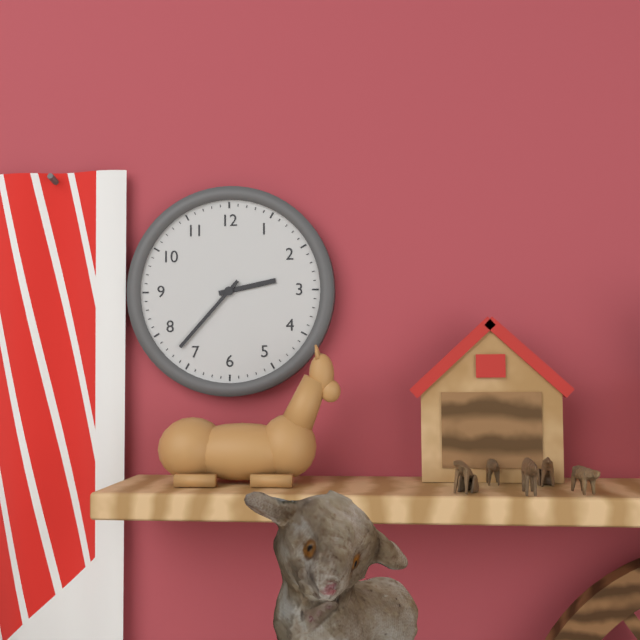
2:37
